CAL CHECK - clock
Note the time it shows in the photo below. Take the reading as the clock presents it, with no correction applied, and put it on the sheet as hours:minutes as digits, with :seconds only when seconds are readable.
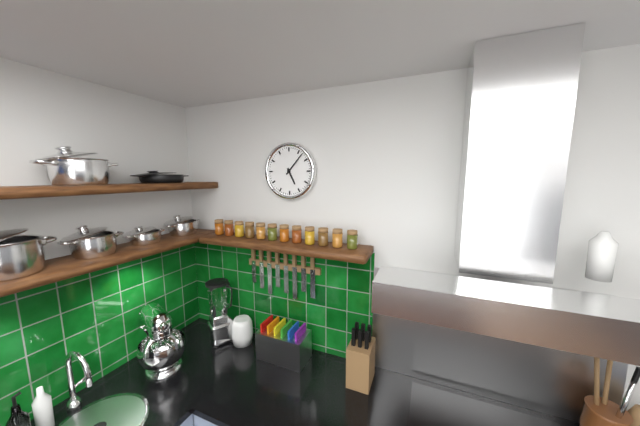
5:07
